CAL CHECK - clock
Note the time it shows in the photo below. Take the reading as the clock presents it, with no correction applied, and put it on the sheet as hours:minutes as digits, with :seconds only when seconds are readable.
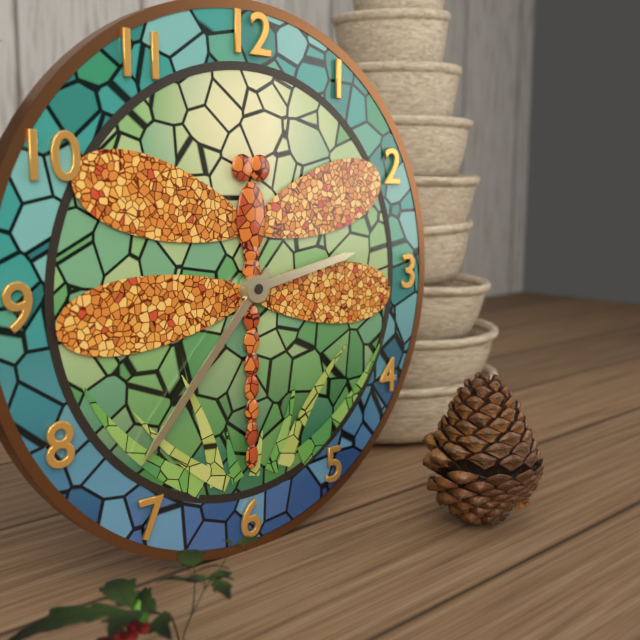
2:37
